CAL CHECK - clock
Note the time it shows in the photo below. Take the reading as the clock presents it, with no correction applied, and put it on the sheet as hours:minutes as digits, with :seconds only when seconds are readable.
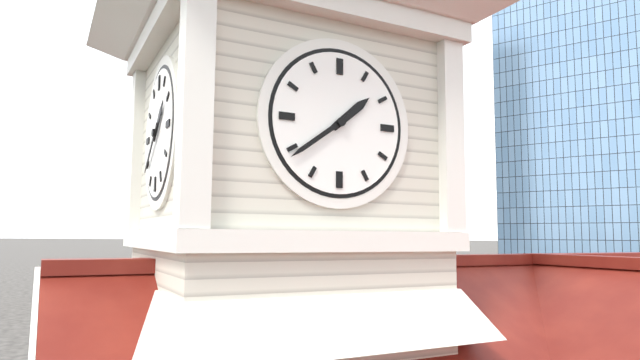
1:39
